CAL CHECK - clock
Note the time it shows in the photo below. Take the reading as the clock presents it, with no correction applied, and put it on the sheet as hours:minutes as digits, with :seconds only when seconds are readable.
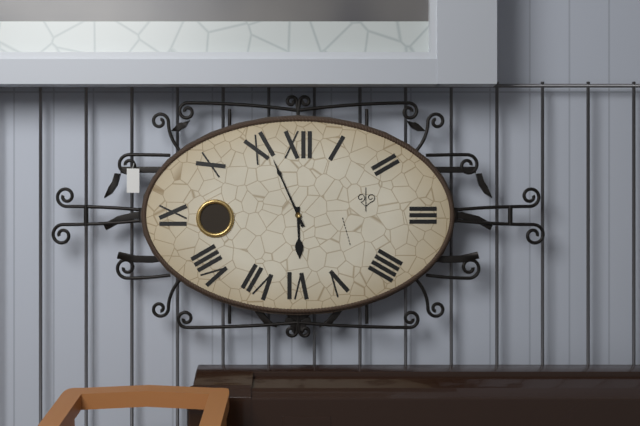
5:56
